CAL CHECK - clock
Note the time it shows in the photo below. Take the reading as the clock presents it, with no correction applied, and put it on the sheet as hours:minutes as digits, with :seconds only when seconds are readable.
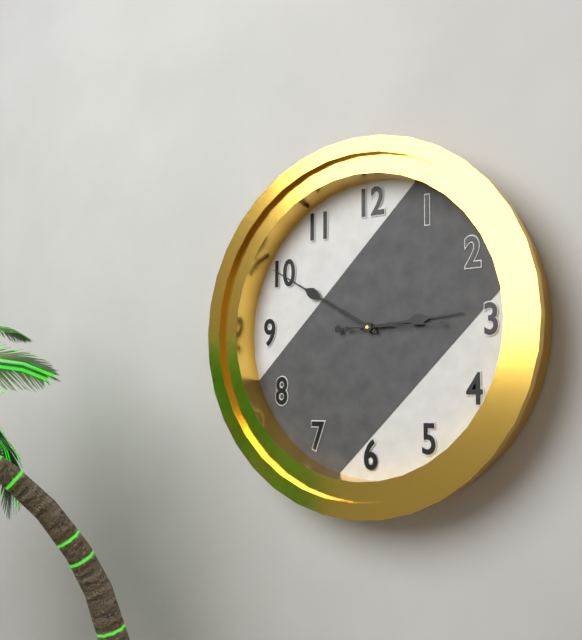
2:50:15
